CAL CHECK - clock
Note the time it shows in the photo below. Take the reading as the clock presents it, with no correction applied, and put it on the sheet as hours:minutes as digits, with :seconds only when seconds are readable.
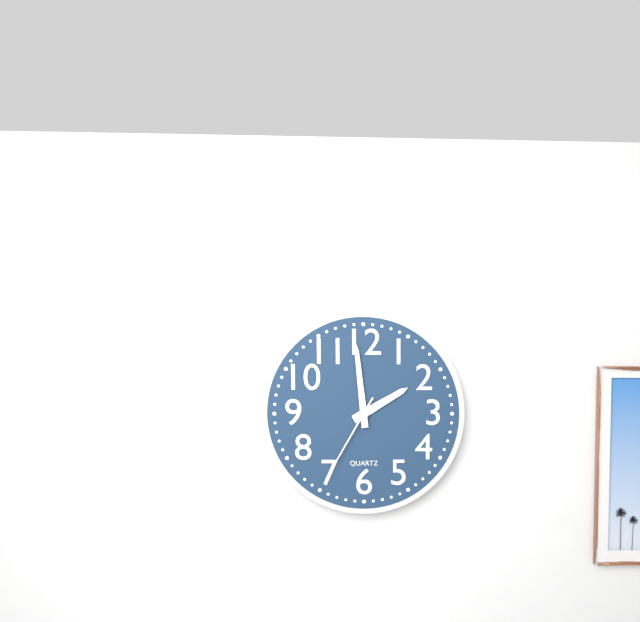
1:59:35
